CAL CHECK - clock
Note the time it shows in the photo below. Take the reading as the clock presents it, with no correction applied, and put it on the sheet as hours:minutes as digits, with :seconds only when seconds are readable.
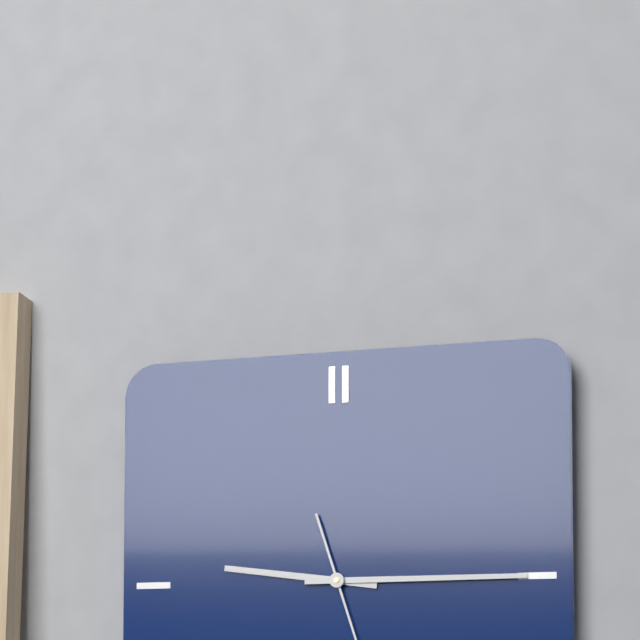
9:15
